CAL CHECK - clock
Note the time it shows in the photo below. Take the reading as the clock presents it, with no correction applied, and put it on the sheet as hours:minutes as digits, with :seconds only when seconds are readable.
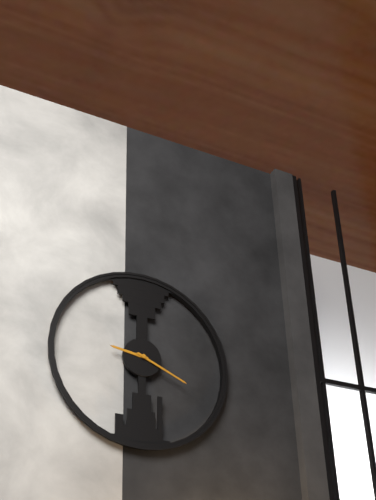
9:19
